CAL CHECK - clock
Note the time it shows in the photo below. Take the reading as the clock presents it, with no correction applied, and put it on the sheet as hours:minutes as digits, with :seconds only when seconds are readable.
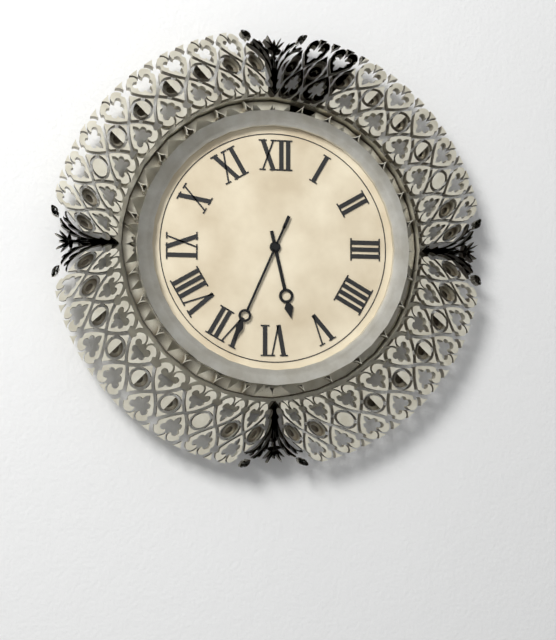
5:34
